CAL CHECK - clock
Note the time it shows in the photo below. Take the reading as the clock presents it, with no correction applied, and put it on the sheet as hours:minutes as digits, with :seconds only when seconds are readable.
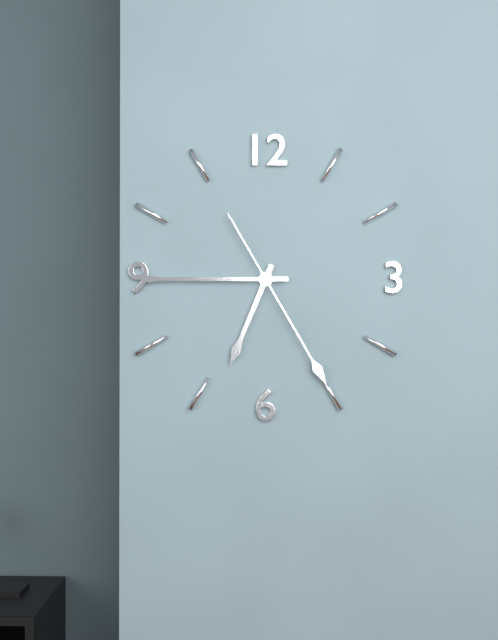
6:45:25
